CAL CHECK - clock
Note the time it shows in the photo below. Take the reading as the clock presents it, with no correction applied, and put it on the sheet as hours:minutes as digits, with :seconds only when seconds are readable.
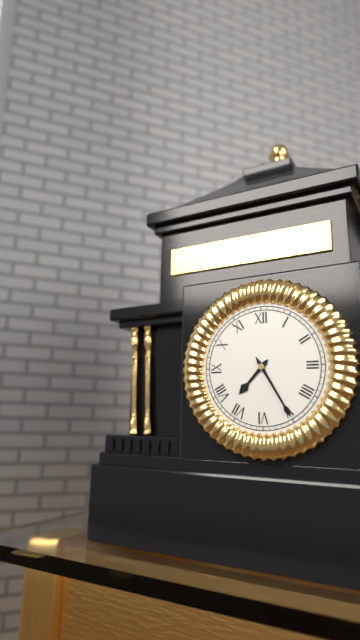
7:25
